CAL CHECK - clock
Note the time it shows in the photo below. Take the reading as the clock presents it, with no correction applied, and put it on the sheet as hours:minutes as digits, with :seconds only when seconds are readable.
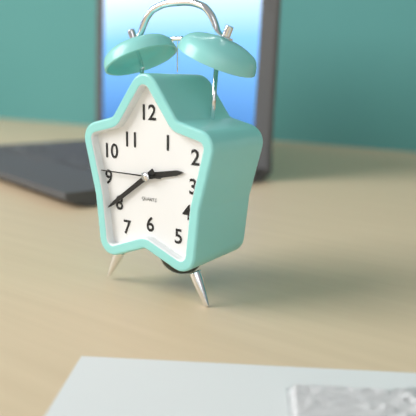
2:39:45
